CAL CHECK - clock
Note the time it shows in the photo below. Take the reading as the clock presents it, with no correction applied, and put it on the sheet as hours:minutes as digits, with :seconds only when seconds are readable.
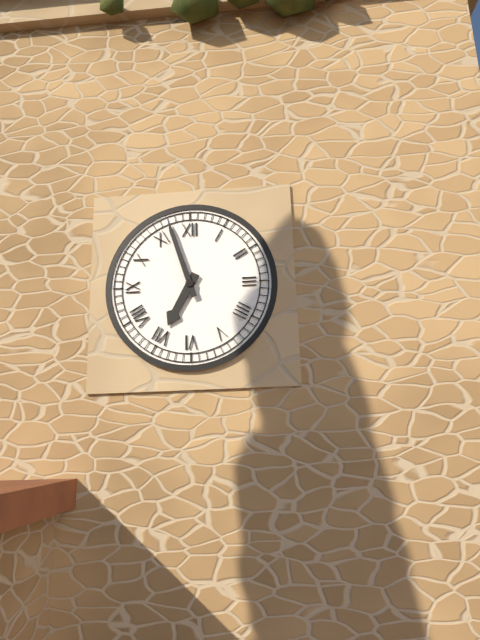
6:57
